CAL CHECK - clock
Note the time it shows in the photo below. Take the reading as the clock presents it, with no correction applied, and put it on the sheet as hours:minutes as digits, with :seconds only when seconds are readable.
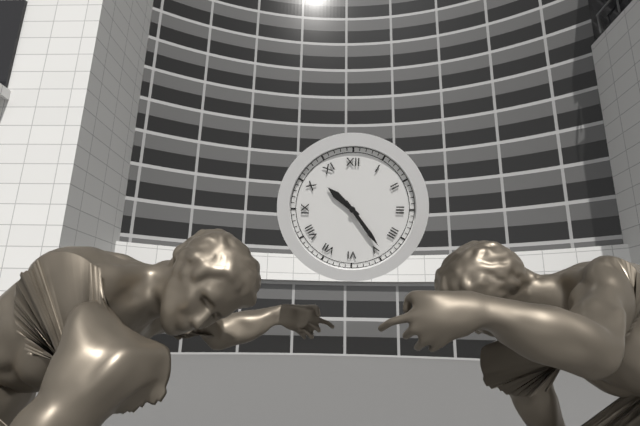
10:24
